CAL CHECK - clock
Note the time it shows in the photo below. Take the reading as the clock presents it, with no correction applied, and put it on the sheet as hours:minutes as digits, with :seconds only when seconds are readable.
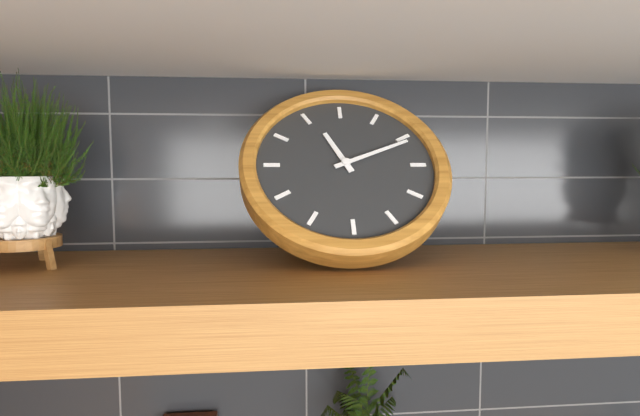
11:11
